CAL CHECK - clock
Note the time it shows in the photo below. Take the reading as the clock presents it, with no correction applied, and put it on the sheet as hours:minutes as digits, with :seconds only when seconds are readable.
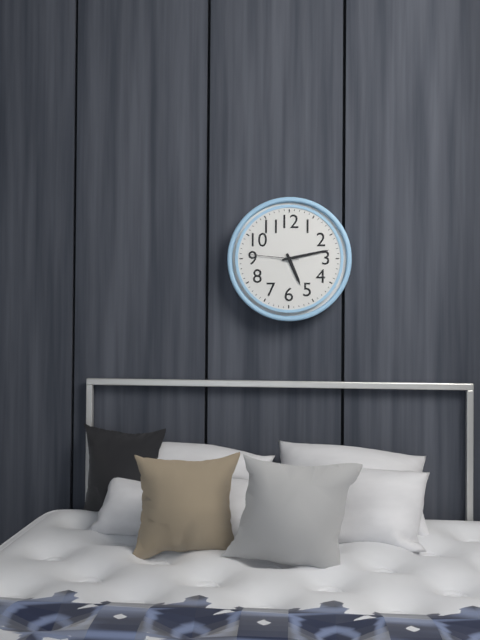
5:13:46
